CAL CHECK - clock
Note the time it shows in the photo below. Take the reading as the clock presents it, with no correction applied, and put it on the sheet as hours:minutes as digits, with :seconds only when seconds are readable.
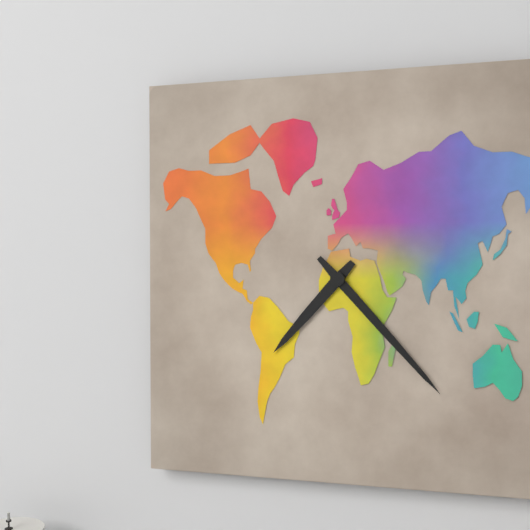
7:23
